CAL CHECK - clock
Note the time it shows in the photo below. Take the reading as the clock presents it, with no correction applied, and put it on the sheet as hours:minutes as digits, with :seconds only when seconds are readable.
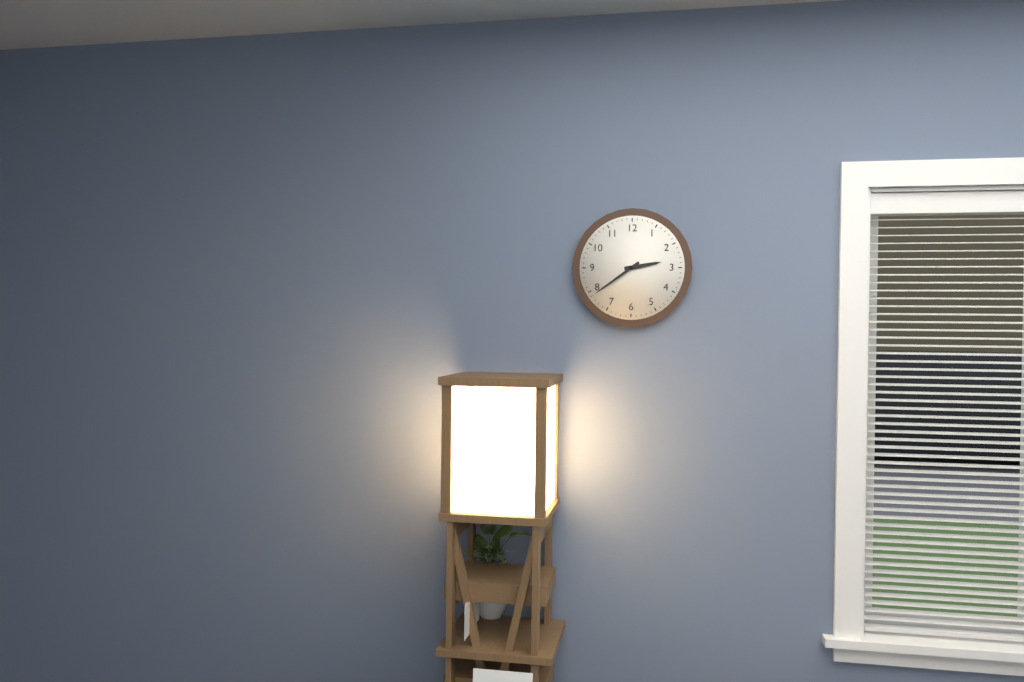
2:39
